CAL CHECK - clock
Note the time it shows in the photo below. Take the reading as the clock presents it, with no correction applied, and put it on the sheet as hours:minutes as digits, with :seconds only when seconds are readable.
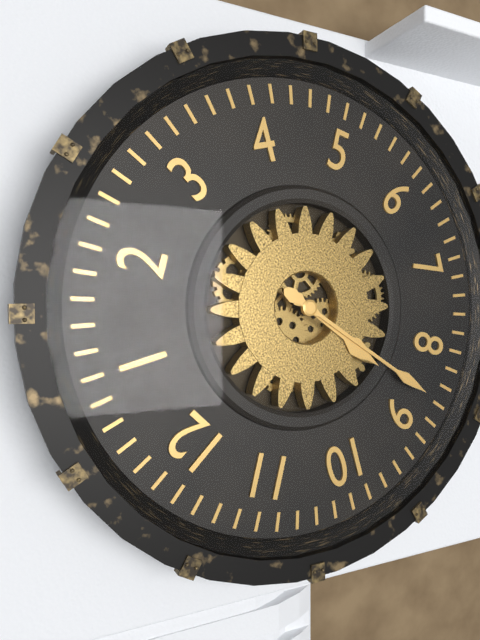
8:43
